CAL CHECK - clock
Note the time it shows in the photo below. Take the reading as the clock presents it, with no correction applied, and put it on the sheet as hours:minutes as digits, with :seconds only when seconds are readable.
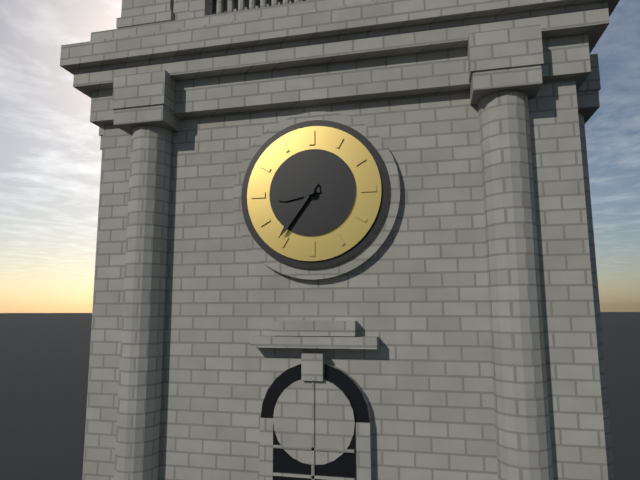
8:36
